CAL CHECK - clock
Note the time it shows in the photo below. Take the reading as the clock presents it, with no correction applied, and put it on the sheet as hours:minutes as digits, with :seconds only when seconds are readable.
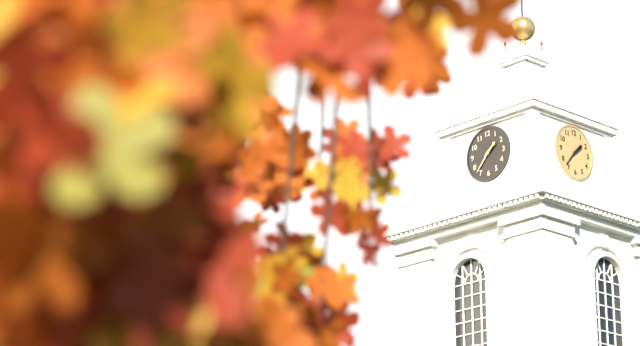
1:37
